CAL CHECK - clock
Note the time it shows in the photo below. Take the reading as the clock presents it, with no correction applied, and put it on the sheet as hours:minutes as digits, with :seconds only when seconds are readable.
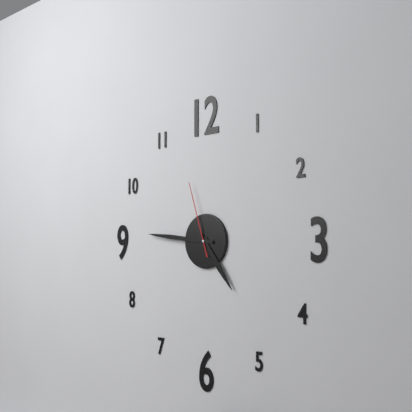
4:46:57
